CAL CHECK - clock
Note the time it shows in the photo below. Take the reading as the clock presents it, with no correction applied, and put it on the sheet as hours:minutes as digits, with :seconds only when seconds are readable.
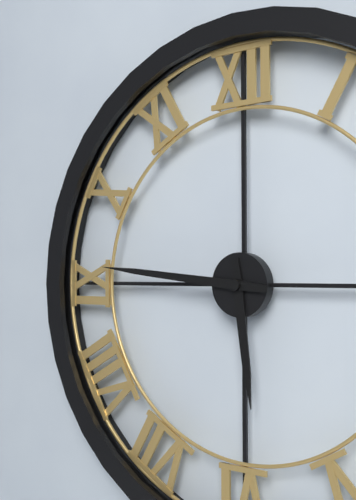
5:46
